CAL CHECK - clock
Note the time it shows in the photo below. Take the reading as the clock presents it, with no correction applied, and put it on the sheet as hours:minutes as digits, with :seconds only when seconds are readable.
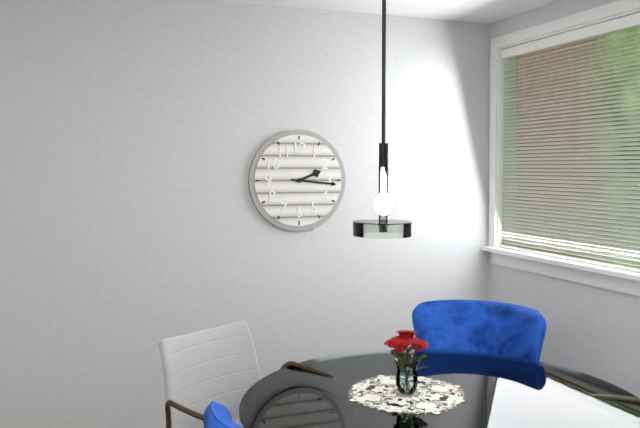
2:16
